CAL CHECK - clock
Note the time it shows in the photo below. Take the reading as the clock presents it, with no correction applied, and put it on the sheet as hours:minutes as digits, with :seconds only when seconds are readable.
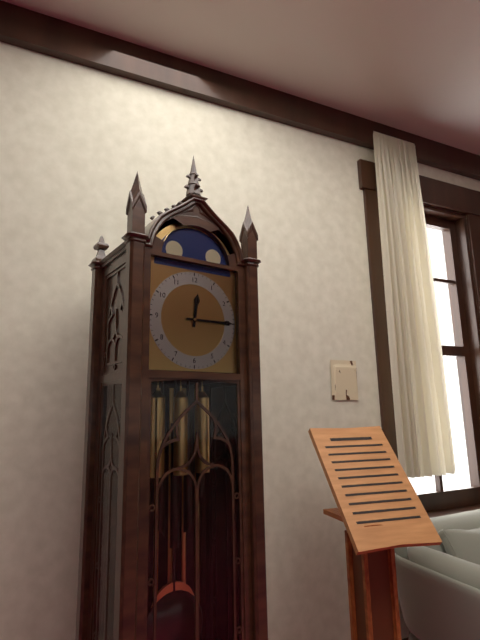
12:15
